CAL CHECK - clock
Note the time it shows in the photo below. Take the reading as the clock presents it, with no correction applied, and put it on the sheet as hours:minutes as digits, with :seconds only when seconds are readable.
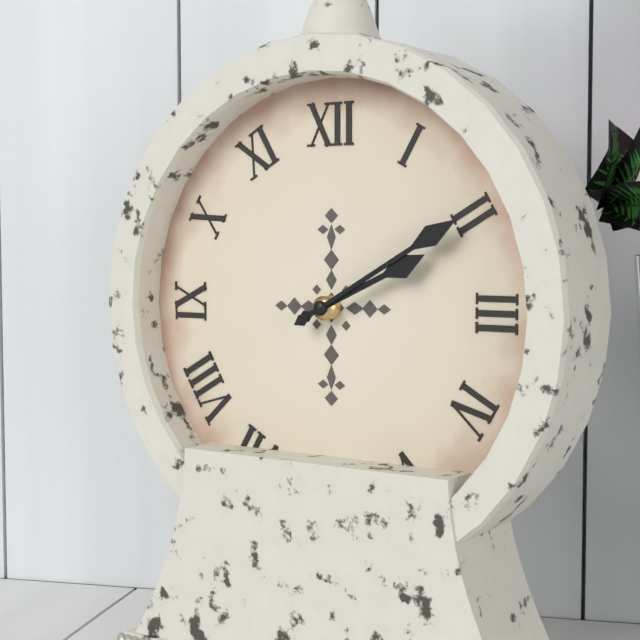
2:10
